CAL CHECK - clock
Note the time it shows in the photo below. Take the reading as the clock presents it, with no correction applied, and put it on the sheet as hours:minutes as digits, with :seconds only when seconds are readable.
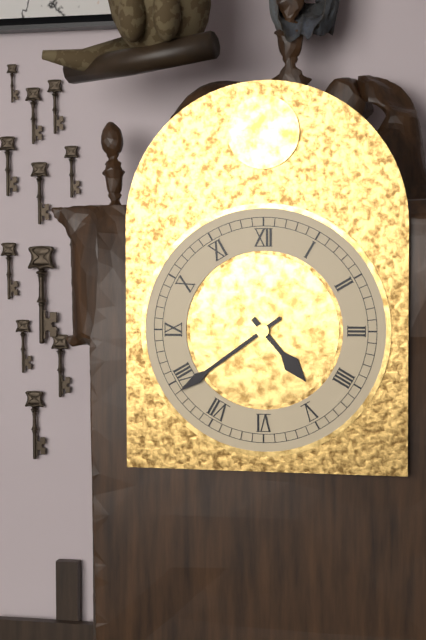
4:39
